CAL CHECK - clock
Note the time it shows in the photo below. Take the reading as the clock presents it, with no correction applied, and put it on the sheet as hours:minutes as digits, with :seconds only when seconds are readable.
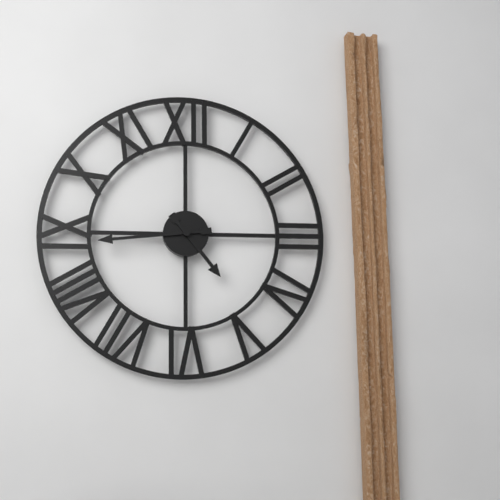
4:44
